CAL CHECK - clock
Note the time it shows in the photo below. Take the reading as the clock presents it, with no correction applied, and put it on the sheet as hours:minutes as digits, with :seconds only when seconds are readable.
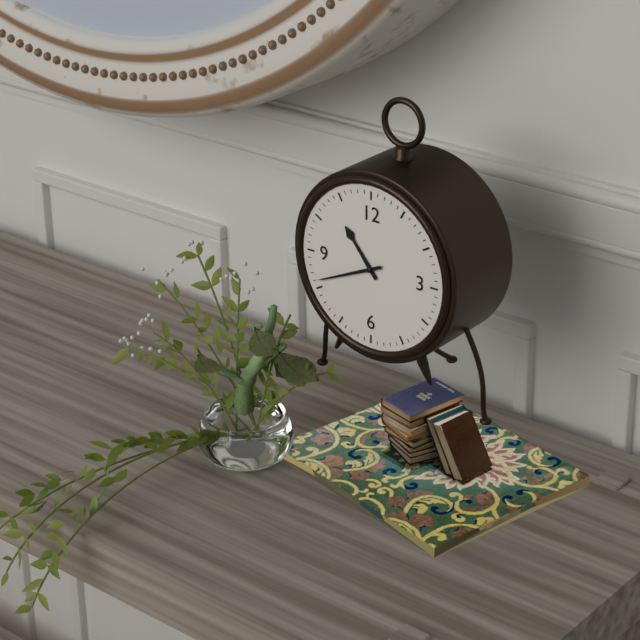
10:41
